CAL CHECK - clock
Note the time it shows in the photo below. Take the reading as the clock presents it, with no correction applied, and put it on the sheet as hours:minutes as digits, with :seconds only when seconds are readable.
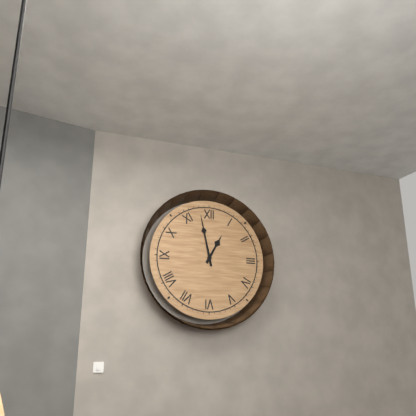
12:58
